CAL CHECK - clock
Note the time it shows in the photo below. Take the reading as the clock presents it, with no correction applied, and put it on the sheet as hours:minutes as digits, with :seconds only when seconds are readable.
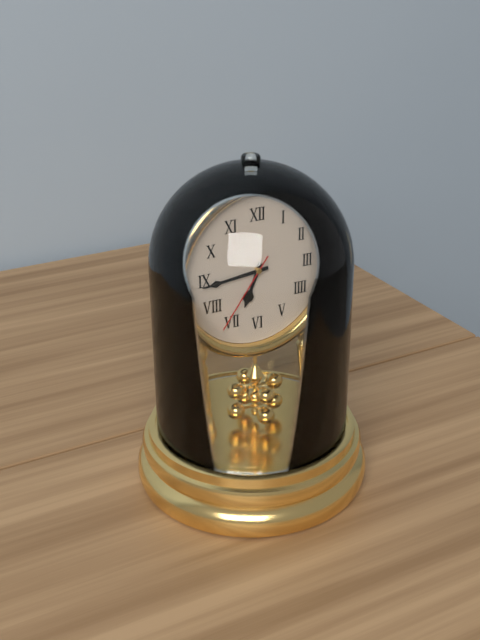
6:44:36
